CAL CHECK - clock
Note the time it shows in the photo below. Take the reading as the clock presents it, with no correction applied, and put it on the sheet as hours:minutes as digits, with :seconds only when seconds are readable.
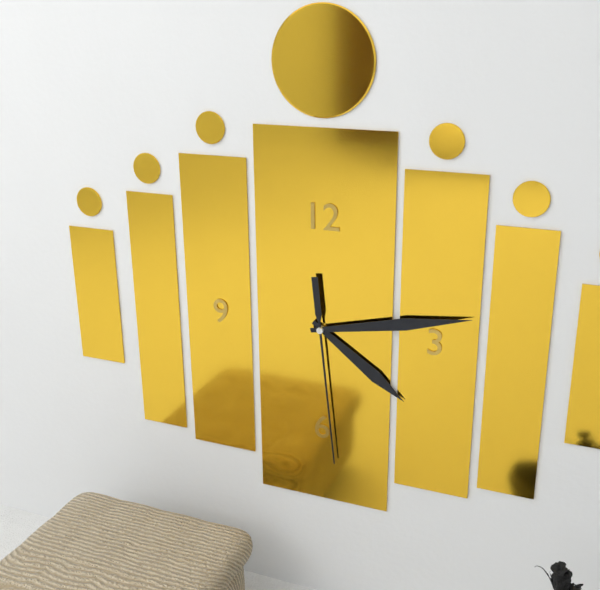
4:13:29
